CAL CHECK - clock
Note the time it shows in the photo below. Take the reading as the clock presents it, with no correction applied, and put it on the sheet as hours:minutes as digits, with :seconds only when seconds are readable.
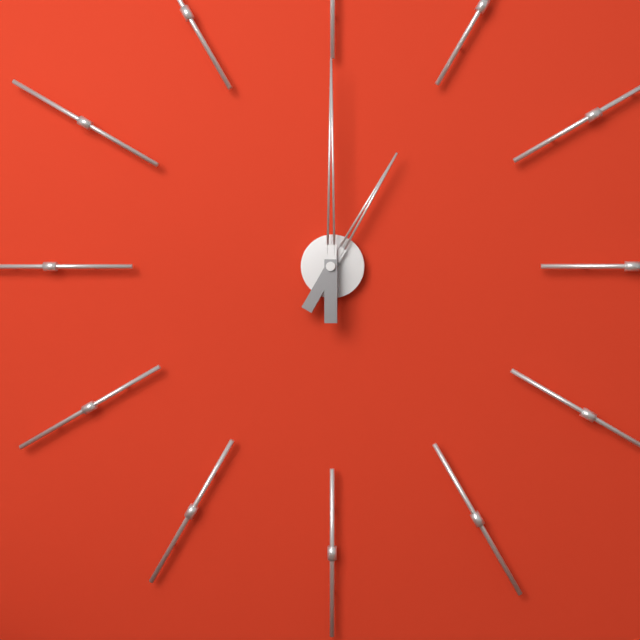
1:00
